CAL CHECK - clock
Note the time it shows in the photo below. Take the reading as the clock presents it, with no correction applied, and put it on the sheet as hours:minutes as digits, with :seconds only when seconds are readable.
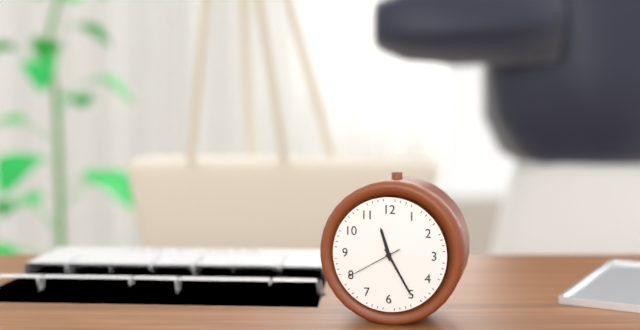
11:25:40
